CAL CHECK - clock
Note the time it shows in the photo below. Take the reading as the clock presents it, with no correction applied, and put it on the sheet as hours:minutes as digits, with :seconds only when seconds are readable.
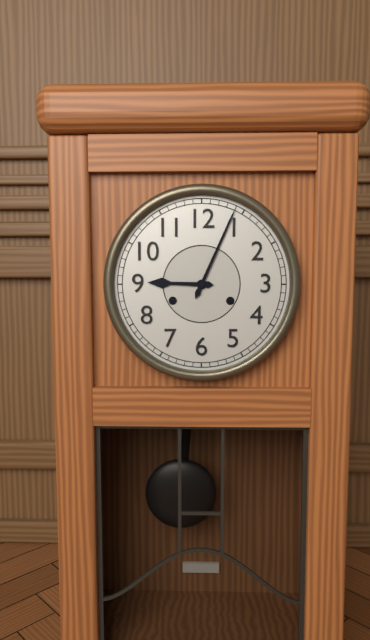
9:04
